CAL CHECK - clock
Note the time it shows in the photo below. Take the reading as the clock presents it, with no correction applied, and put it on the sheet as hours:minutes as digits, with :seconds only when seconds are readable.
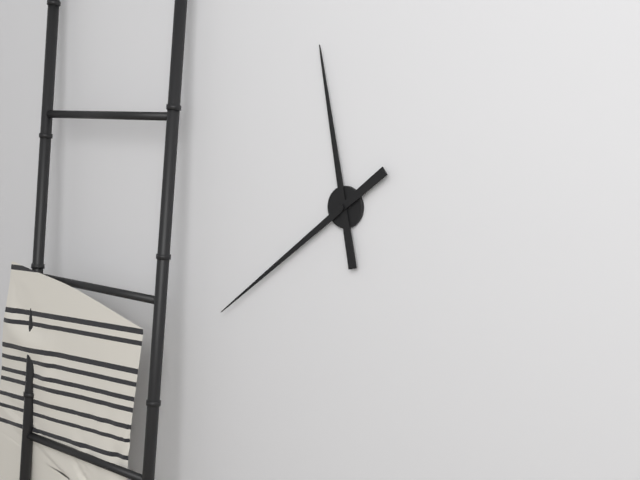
11:39
